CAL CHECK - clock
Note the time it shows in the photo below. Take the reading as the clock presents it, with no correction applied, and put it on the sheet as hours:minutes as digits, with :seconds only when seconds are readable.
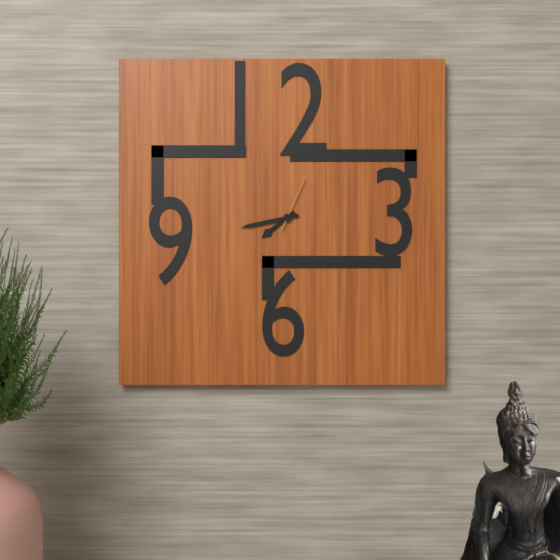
7:43:04
